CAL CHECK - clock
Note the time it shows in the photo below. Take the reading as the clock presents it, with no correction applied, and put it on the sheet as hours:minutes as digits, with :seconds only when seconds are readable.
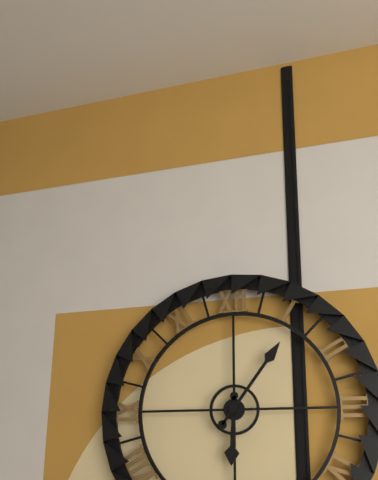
6:06
